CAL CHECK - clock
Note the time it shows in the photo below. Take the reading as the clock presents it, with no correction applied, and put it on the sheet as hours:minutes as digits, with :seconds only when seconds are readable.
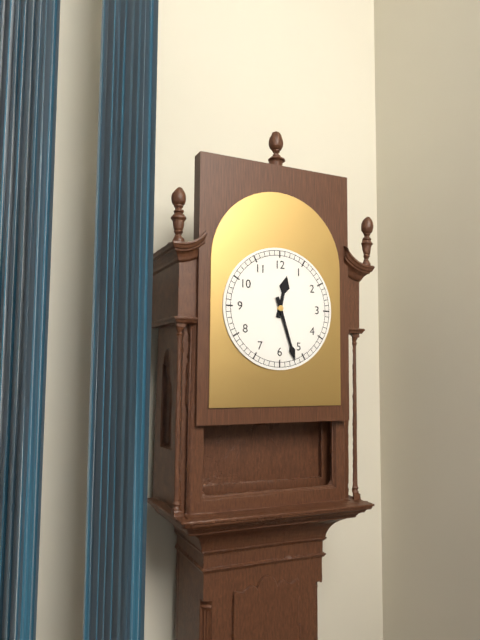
12:27
